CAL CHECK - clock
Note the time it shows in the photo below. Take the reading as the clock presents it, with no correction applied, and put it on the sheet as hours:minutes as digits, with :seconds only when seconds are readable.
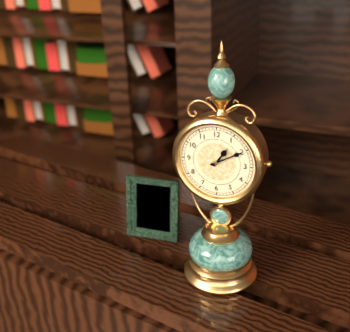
1:10
